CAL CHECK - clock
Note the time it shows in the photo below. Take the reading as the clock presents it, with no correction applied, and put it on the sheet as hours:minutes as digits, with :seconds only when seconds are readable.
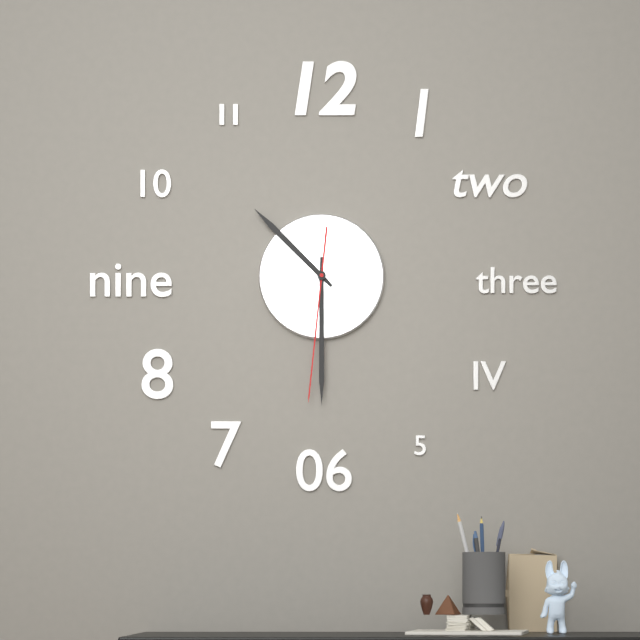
10:30:31
